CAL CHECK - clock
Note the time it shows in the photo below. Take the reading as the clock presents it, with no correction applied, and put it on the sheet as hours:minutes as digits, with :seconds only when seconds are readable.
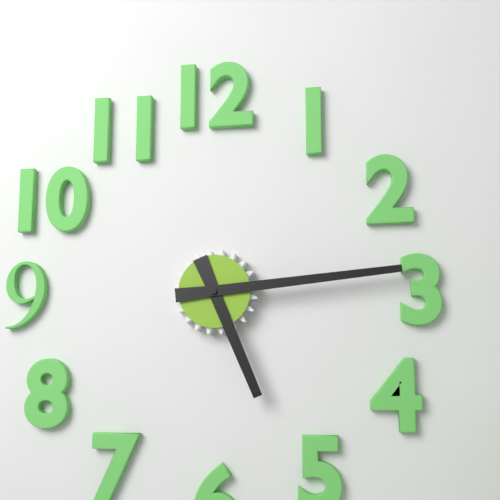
5:14
